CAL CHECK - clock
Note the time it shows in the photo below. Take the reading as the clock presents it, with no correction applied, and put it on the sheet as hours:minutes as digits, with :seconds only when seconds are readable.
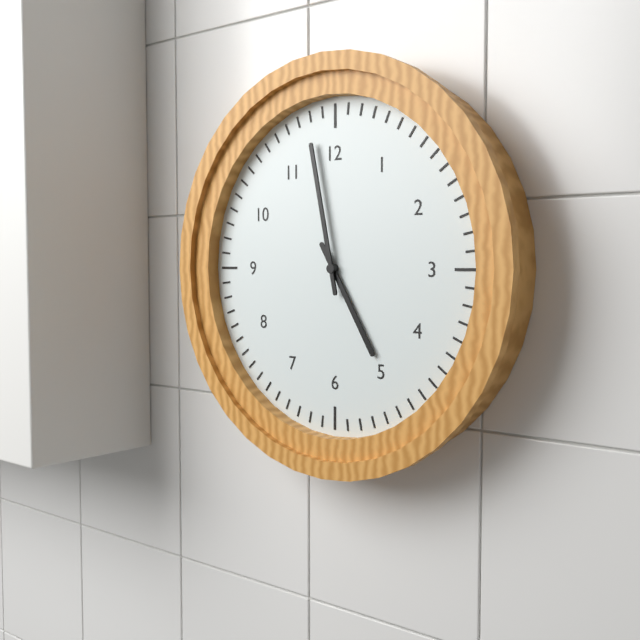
4:58
